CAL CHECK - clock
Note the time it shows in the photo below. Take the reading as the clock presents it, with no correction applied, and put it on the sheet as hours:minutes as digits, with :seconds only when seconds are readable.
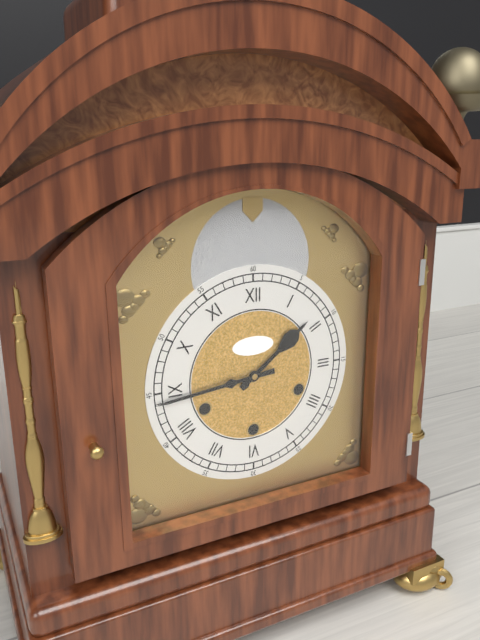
1:44
